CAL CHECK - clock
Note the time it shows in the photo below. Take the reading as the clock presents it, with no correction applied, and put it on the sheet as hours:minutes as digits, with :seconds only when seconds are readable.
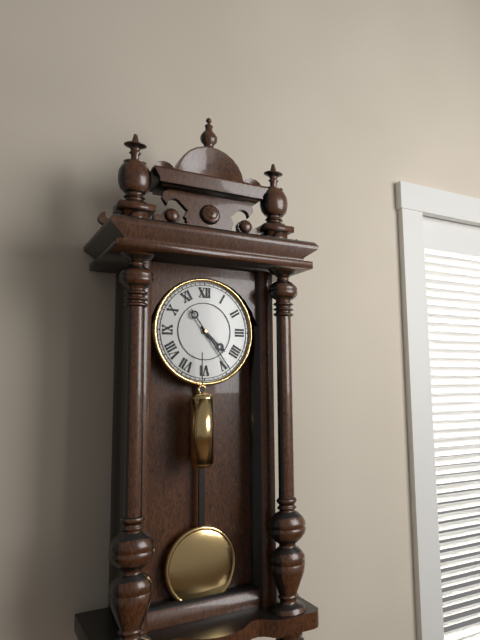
4:24
